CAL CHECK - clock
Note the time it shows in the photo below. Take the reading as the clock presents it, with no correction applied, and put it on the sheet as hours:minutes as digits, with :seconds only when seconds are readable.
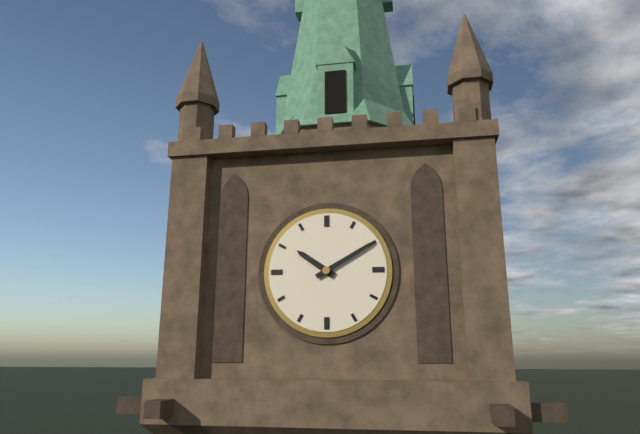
10:10
